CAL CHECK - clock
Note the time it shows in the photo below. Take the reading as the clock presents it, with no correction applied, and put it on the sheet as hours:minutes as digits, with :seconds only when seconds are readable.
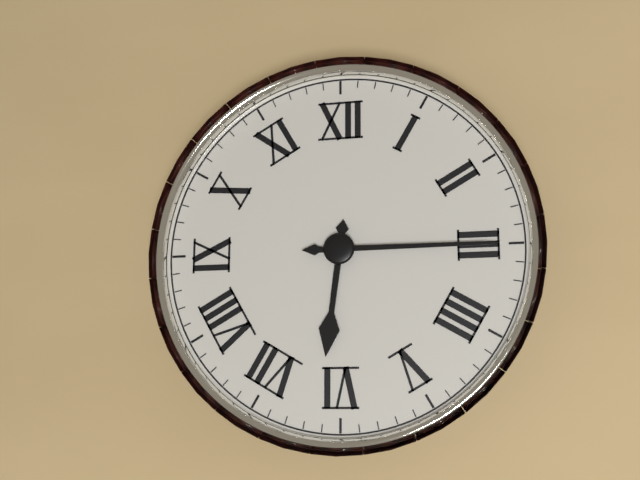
6:15
